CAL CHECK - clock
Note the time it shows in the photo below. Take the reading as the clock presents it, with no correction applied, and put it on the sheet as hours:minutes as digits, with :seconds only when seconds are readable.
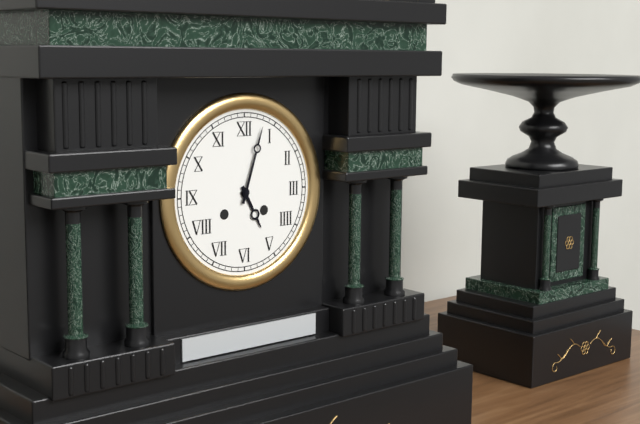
5:03
